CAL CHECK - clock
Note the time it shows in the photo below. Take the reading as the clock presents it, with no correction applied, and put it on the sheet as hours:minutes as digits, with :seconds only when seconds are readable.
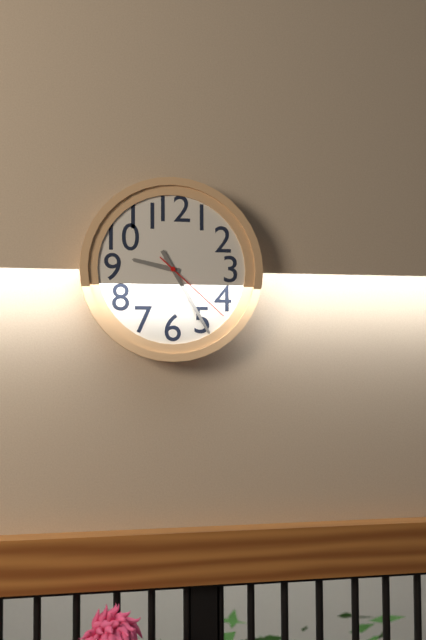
9:25:22
